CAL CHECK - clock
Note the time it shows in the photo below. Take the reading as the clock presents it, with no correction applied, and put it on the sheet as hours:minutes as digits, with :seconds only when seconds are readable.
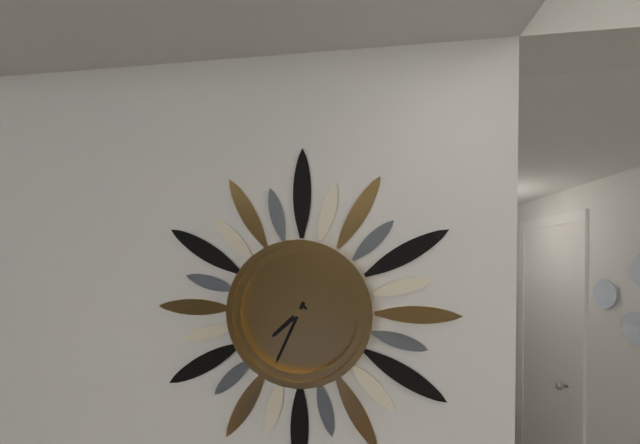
7:34
